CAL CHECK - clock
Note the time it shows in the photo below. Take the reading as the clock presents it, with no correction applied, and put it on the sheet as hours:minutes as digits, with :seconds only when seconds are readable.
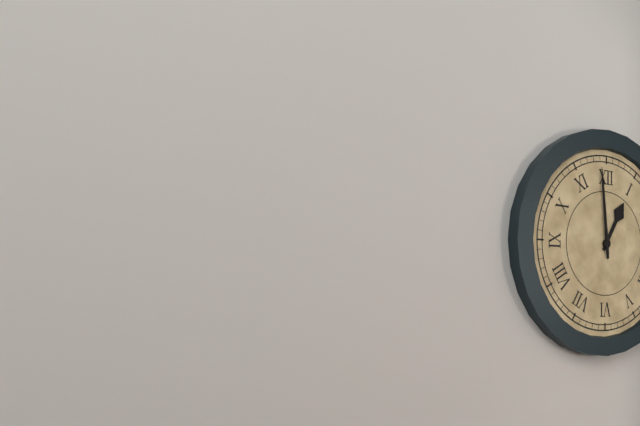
12:59
